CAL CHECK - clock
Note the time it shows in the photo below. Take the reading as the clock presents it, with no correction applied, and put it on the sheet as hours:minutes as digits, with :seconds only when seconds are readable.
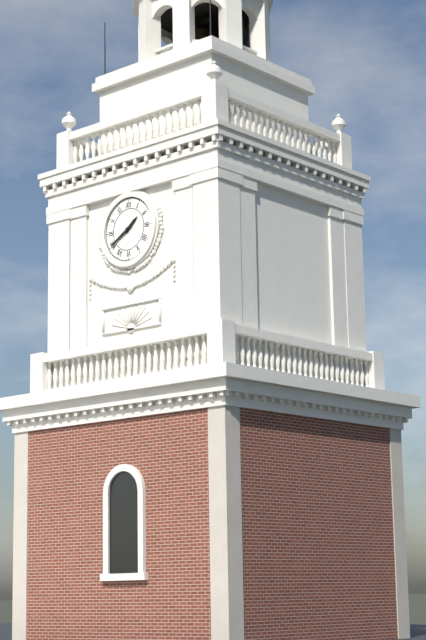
1:40
